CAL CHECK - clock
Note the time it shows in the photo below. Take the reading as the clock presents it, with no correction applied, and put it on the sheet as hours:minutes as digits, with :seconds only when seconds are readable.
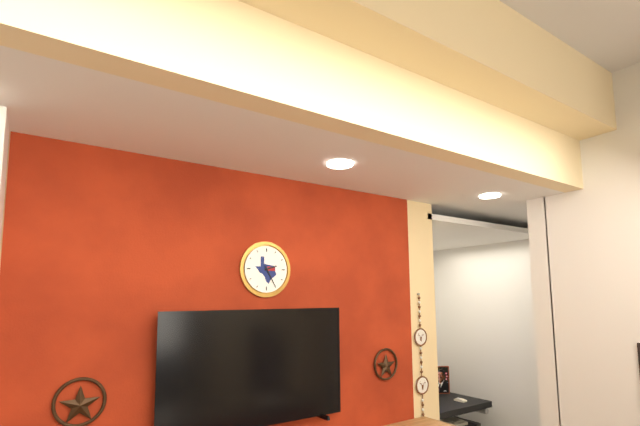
2:25
